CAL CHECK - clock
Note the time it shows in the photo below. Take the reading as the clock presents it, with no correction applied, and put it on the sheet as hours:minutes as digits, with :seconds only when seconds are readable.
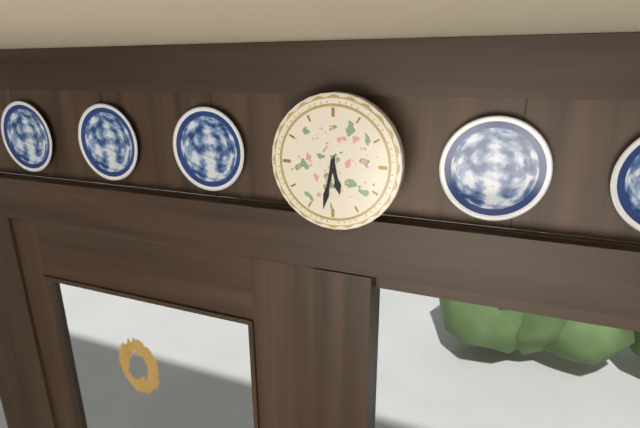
5:32
